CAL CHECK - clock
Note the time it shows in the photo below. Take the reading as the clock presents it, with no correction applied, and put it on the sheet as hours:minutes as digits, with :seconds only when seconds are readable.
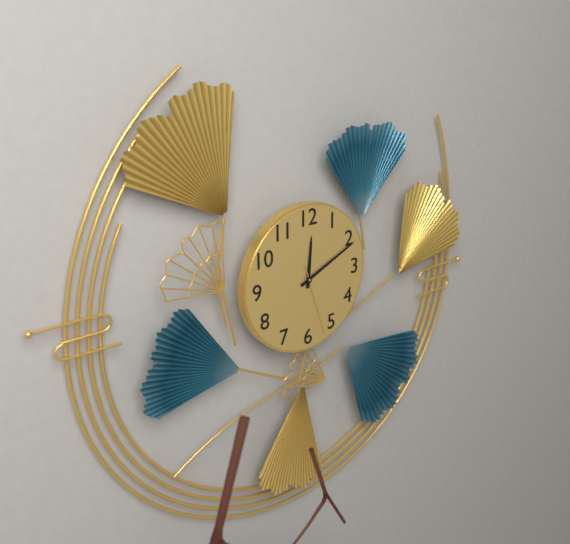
12:11:27
